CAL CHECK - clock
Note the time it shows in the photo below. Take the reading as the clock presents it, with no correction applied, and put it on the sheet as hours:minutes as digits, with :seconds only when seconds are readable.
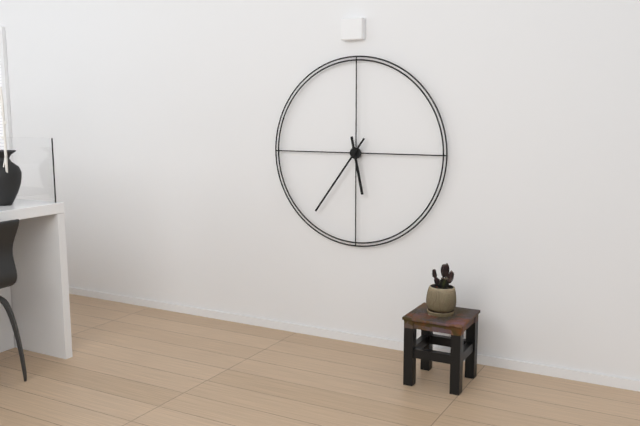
5:36
